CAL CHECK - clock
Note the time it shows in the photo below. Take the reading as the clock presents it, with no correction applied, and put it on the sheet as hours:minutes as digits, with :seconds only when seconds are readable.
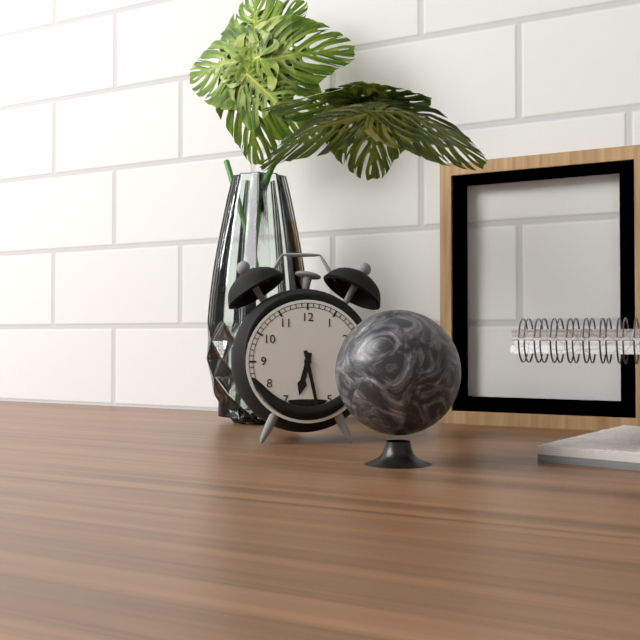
6:28
